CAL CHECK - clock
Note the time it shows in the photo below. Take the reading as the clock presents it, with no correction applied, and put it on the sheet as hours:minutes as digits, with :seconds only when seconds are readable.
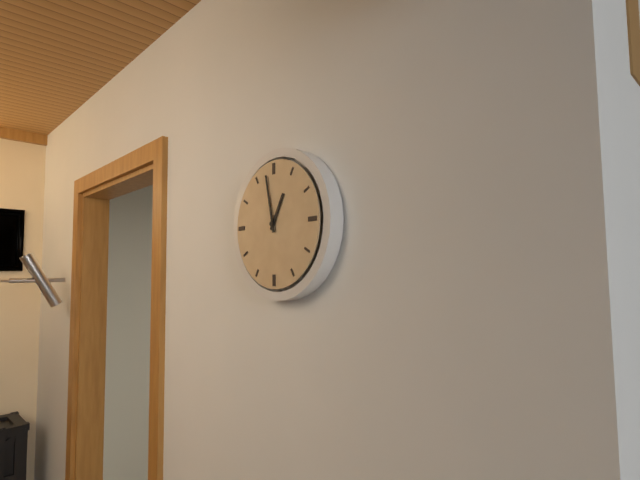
12:58
